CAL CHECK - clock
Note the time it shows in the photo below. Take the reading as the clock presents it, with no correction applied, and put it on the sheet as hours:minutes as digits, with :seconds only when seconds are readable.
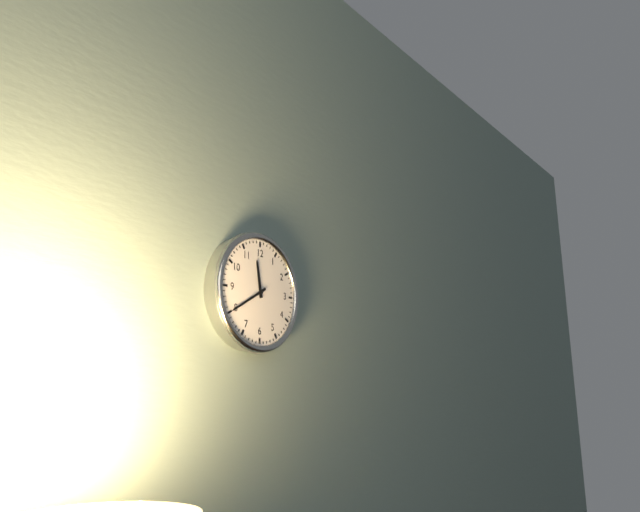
11:40
